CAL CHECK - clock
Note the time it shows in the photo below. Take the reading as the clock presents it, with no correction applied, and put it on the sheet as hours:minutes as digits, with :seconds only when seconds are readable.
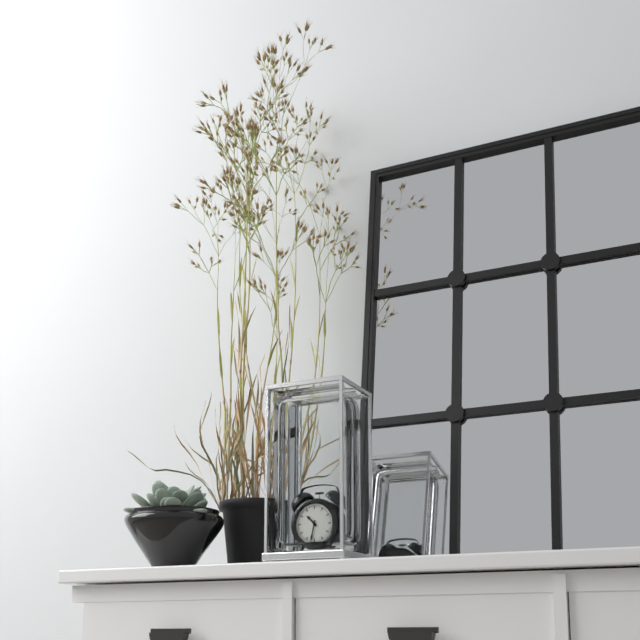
10:32
